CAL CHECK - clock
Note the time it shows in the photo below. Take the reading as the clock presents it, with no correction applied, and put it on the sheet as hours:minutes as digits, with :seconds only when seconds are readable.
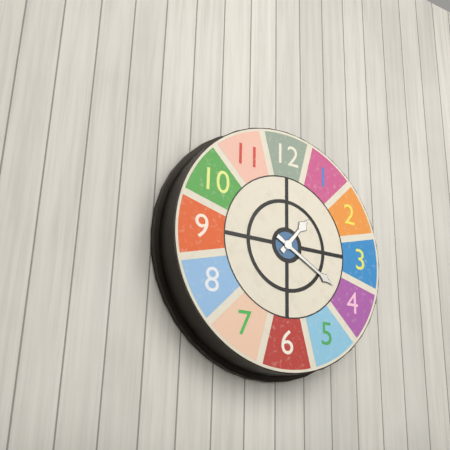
1:20
